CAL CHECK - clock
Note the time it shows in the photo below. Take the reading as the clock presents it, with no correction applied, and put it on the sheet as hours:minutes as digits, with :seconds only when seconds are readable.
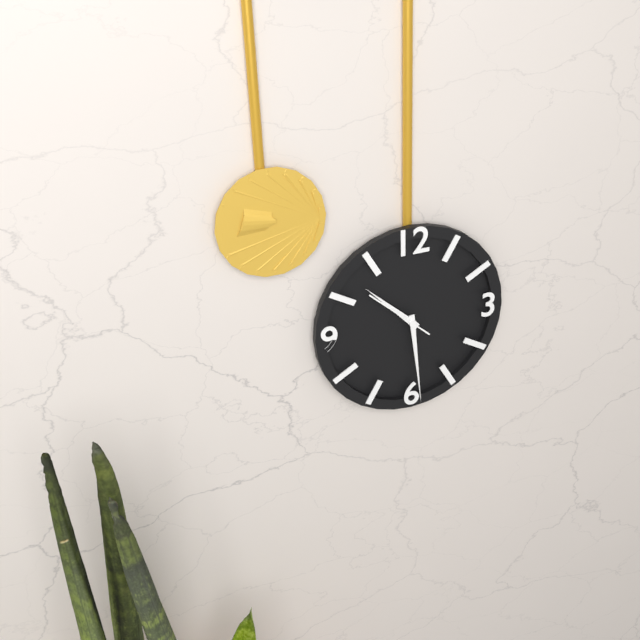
10:29
